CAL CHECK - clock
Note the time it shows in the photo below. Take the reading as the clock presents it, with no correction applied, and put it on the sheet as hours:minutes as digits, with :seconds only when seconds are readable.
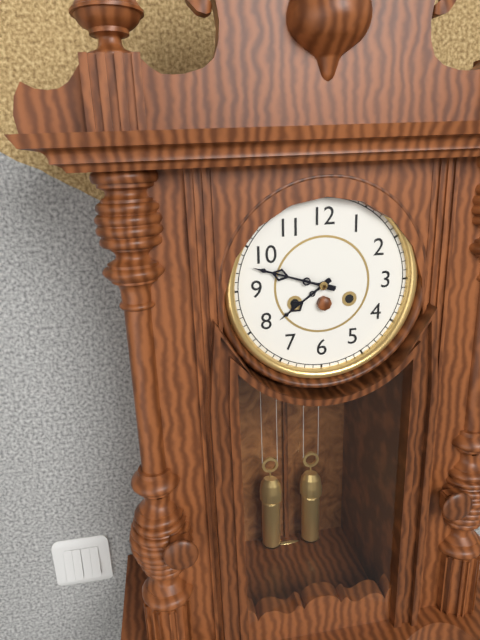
7:48
